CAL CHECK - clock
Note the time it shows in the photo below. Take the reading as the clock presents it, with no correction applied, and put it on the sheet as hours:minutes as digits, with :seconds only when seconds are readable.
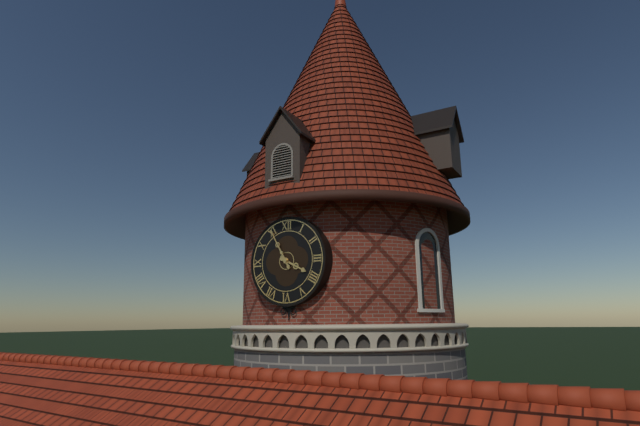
3:55
